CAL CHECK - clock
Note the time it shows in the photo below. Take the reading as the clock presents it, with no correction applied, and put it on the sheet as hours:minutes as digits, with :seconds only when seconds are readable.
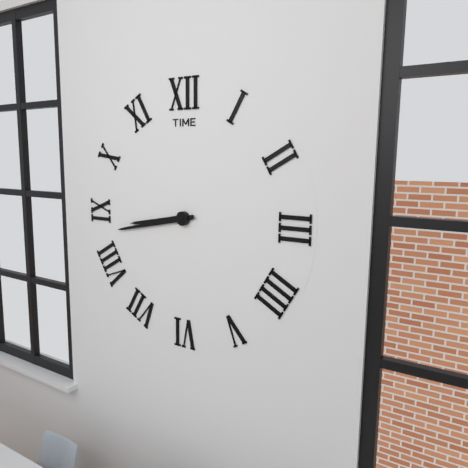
8:43
